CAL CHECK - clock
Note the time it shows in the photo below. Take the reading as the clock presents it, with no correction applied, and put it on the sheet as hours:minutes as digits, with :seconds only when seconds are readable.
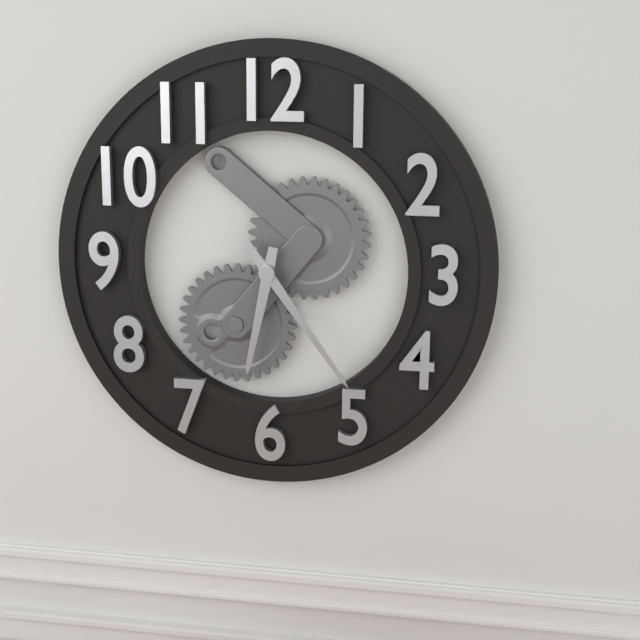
6:24
